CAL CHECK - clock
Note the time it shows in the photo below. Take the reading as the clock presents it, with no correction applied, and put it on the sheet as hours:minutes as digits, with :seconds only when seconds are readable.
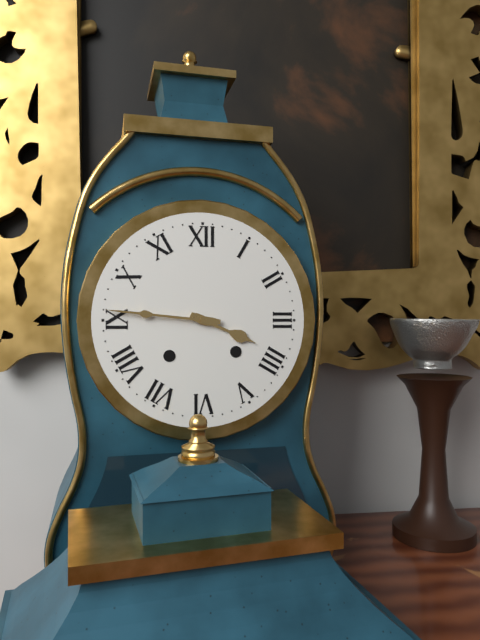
3:46
